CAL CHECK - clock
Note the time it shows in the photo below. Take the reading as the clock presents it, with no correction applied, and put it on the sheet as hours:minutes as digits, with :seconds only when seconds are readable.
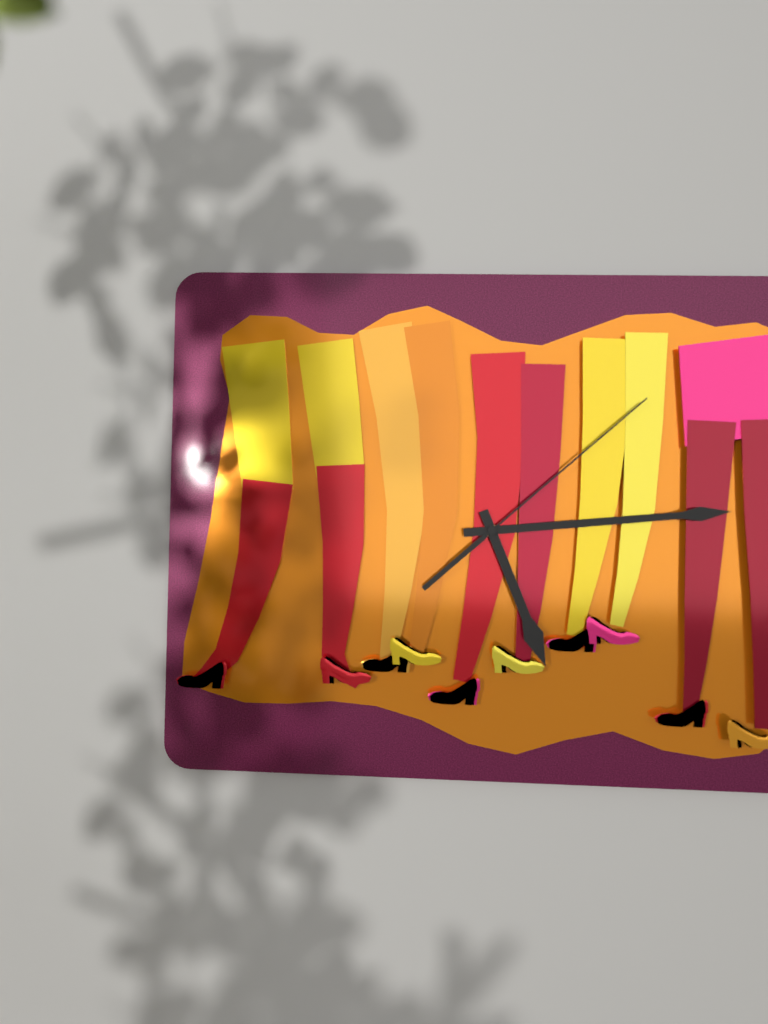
5:14:08
